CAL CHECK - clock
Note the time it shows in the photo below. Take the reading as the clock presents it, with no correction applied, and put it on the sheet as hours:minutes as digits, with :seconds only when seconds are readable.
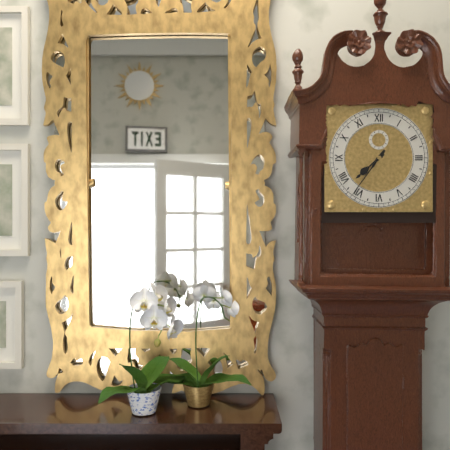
7:36
